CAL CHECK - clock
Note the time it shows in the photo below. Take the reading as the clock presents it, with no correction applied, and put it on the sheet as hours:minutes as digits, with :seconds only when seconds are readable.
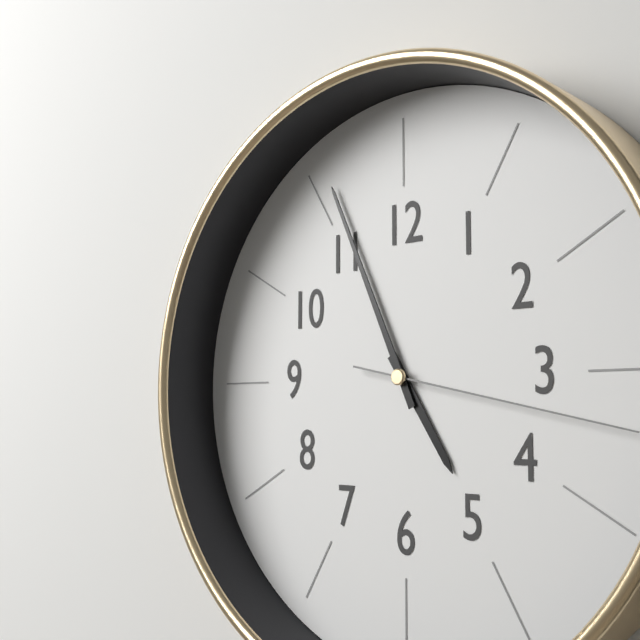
4:56:17
